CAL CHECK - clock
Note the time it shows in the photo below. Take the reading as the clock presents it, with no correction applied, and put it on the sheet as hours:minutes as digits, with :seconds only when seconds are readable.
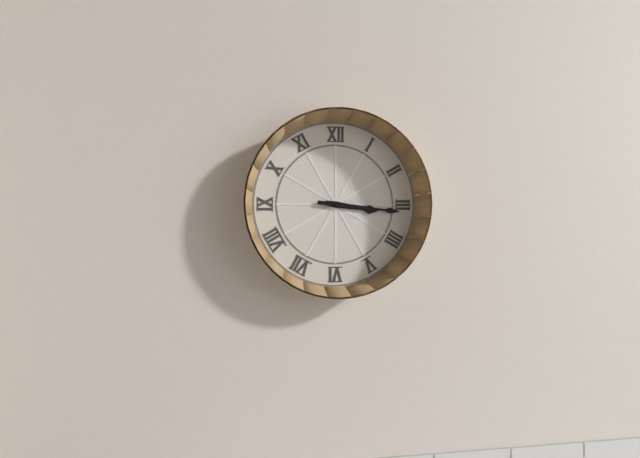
3:16
